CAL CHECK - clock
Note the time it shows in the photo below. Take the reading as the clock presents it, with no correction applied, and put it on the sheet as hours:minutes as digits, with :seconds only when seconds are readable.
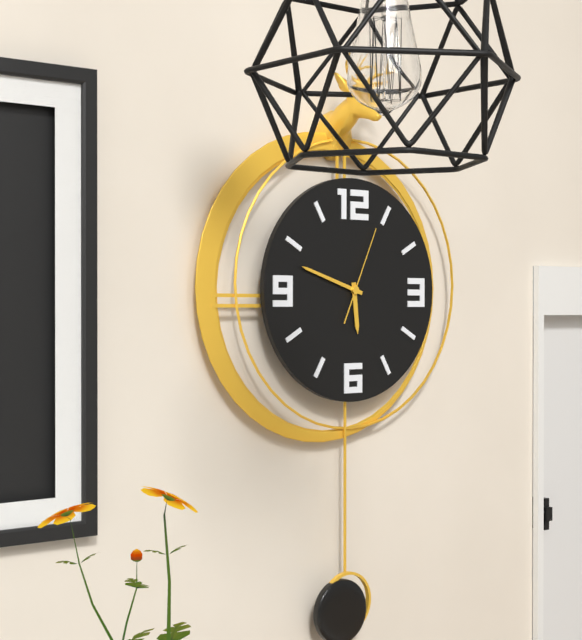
5:48:04
